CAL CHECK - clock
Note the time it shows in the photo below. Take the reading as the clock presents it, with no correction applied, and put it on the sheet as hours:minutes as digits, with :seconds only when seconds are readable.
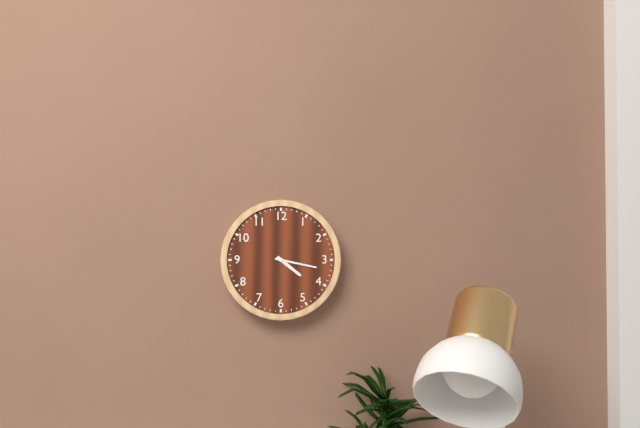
4:17
